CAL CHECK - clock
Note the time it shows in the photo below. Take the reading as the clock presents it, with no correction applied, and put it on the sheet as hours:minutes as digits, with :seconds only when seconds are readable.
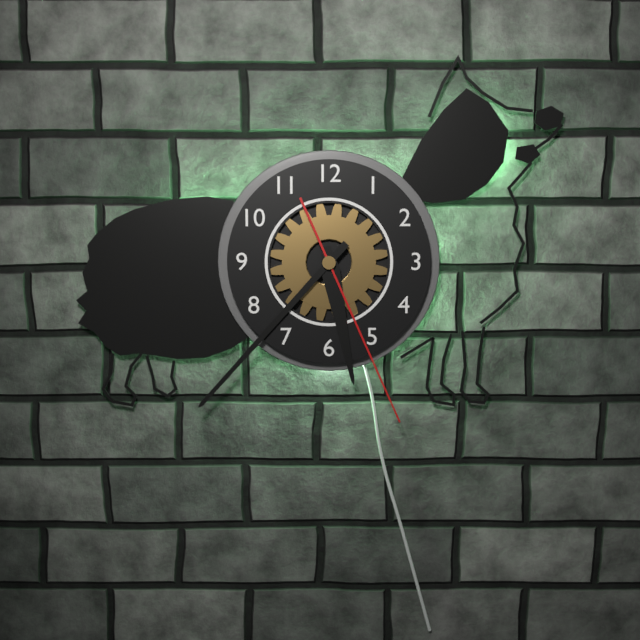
5:37:26
